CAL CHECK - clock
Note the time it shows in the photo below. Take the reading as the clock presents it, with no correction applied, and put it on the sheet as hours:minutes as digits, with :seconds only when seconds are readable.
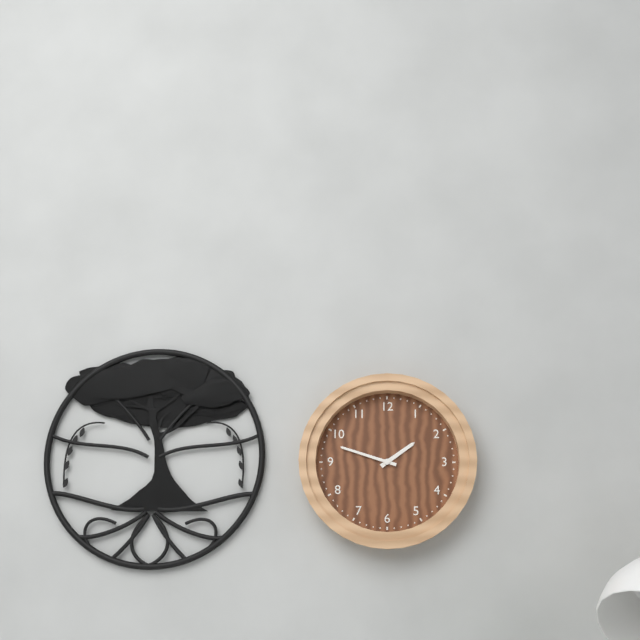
1:48
